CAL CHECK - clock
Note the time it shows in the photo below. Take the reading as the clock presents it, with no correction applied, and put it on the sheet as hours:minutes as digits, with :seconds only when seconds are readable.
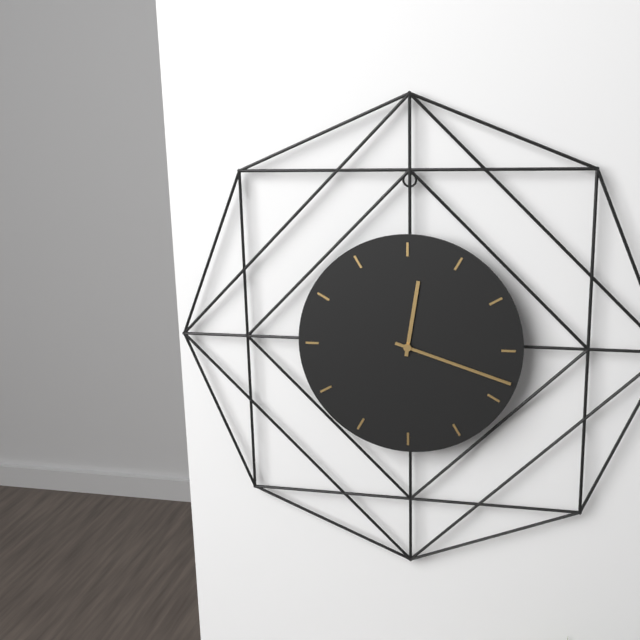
12:18
